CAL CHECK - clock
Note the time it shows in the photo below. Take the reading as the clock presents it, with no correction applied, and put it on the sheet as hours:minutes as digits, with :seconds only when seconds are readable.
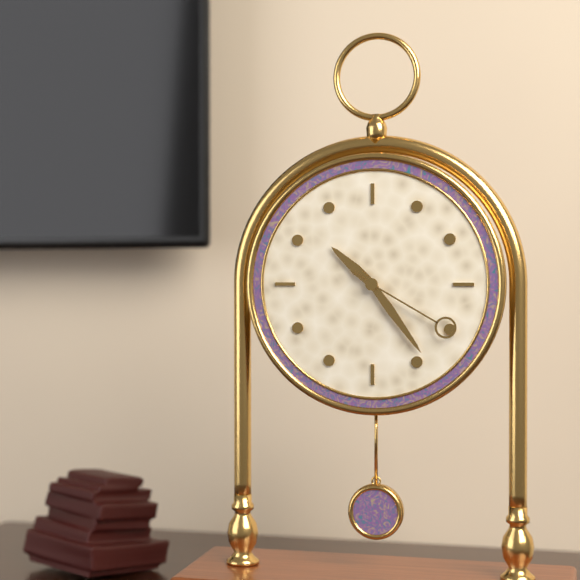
10:24:20
